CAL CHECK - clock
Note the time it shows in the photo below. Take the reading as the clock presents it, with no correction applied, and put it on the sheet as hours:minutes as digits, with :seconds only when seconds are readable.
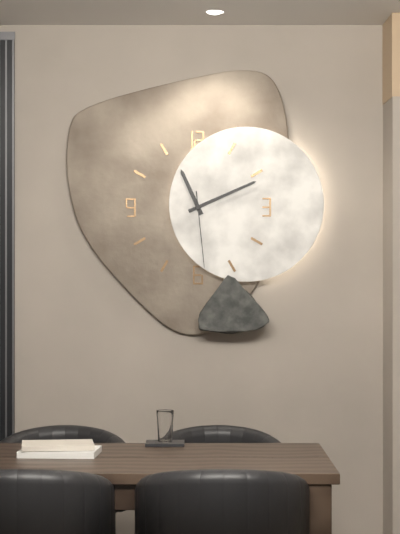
11:11:29
